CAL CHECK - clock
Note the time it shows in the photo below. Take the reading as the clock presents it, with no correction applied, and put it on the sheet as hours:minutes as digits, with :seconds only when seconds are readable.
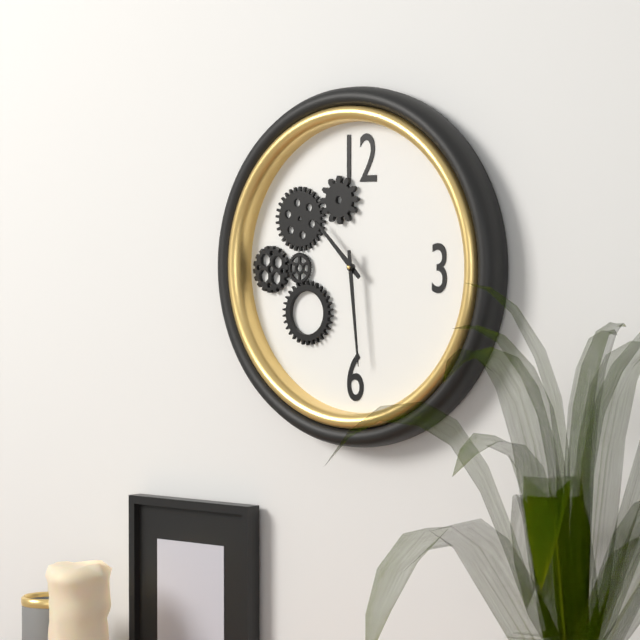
10:29
